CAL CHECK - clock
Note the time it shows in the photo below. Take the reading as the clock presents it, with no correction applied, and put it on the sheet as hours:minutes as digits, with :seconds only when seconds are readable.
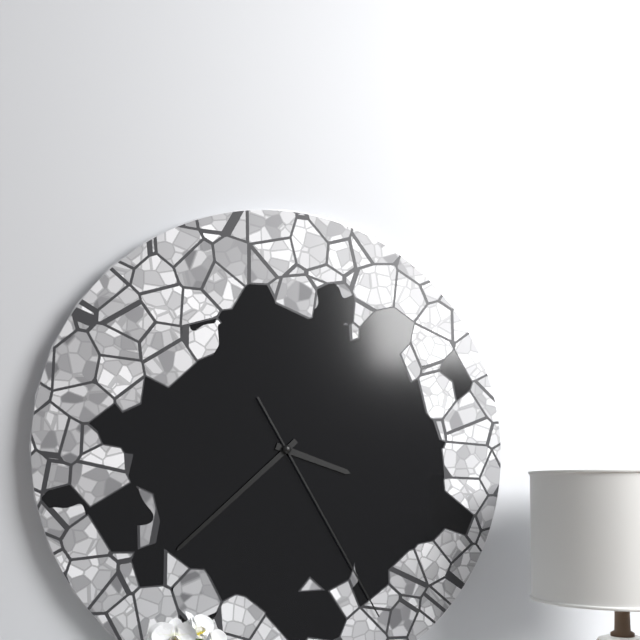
3:38:25
